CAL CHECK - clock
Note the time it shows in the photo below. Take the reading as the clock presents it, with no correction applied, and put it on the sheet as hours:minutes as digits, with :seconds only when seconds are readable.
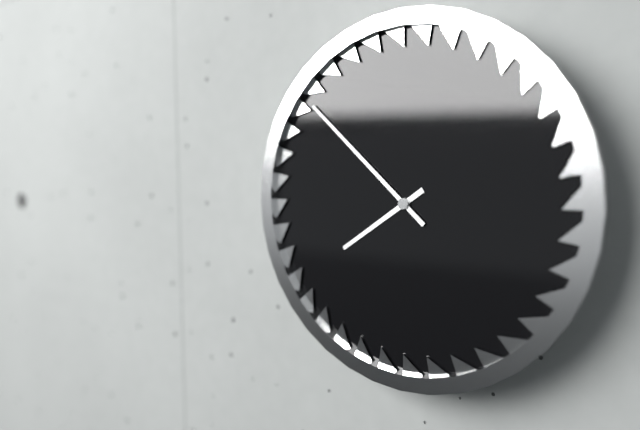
7:52
